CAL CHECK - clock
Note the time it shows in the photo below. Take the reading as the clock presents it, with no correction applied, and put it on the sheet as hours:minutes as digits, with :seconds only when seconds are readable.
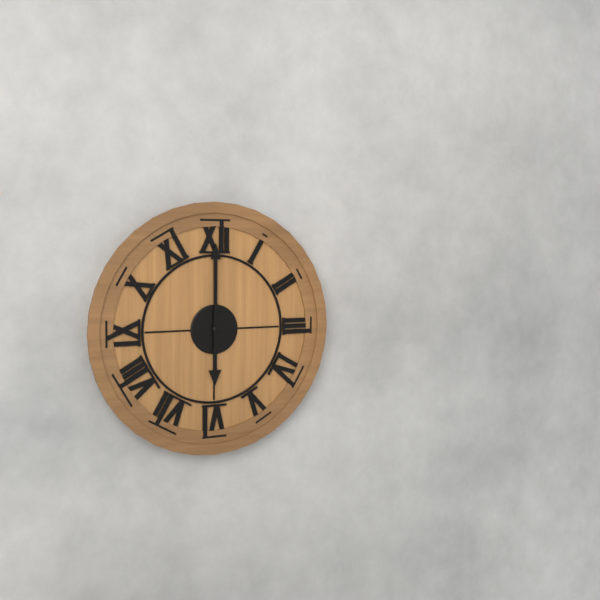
6:00
